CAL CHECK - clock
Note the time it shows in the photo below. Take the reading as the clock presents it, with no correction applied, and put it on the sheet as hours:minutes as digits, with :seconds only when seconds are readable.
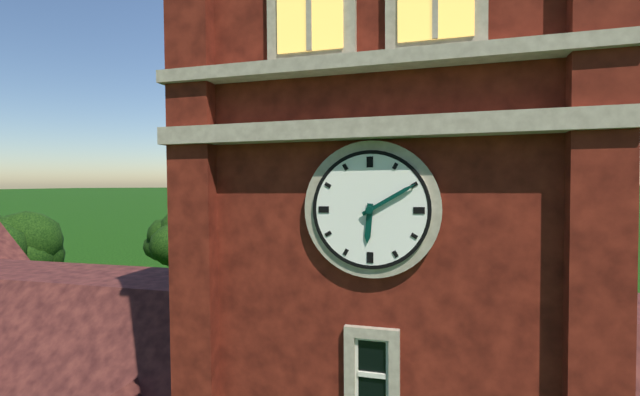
6:10
